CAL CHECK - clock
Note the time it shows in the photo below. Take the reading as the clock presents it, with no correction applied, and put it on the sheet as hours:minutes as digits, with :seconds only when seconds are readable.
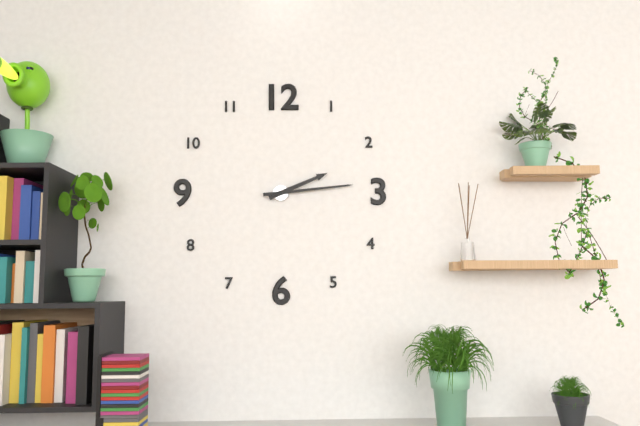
2:14
